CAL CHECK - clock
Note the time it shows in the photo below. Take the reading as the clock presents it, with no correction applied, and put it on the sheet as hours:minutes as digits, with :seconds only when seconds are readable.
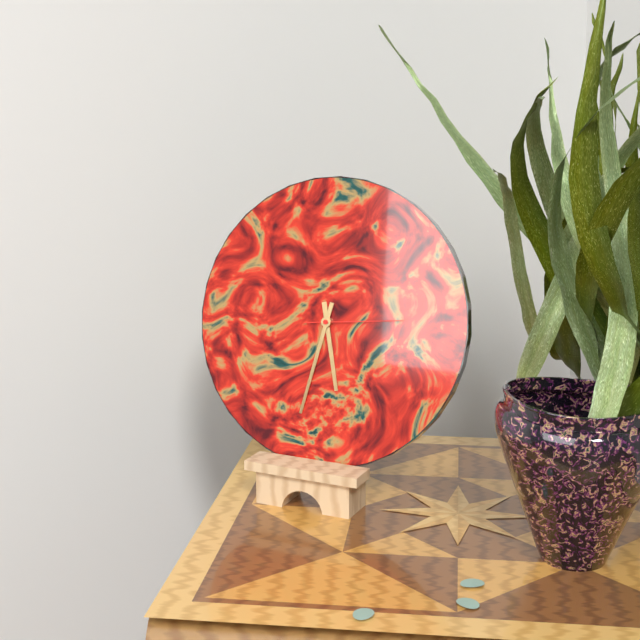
5:32:14
